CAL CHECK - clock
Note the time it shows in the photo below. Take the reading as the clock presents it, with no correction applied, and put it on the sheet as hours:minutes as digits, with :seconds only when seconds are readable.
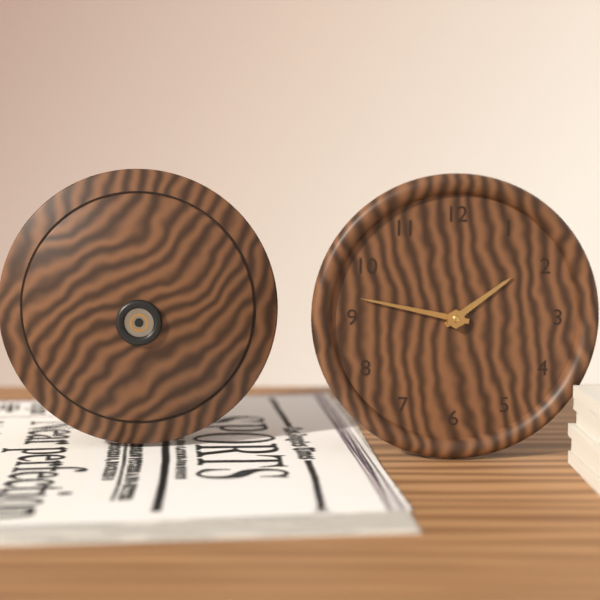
1:47
